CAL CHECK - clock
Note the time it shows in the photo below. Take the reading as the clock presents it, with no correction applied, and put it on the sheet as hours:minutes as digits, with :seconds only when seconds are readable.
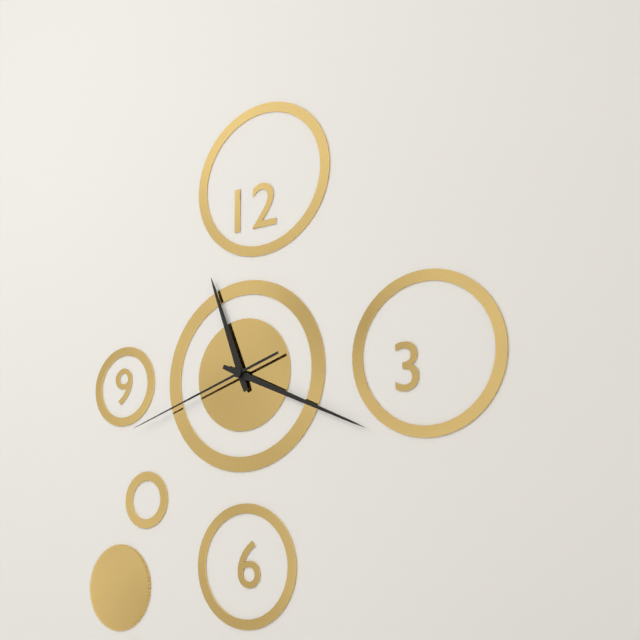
11:19:42
